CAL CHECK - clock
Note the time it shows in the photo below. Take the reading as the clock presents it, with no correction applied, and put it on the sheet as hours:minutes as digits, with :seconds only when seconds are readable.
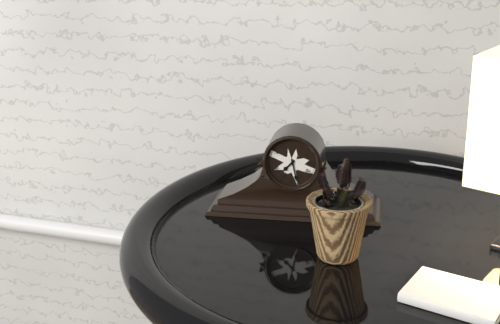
7:28
